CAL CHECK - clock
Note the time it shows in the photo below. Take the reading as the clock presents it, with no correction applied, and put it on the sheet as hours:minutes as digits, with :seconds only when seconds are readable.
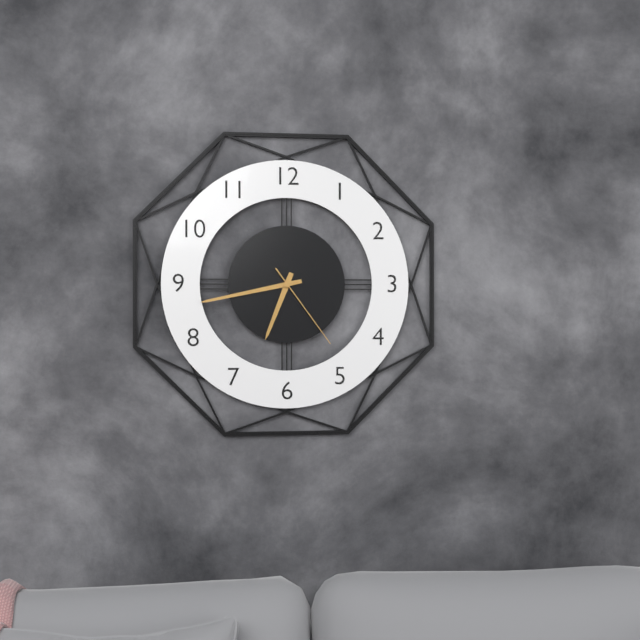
6:43:24
